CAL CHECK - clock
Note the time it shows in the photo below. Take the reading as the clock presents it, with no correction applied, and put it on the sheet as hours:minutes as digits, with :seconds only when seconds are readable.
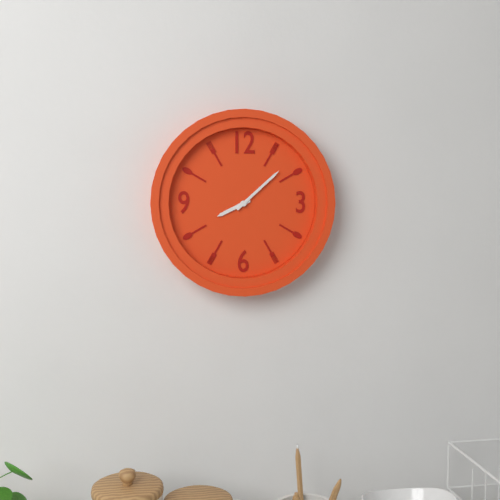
8:08
